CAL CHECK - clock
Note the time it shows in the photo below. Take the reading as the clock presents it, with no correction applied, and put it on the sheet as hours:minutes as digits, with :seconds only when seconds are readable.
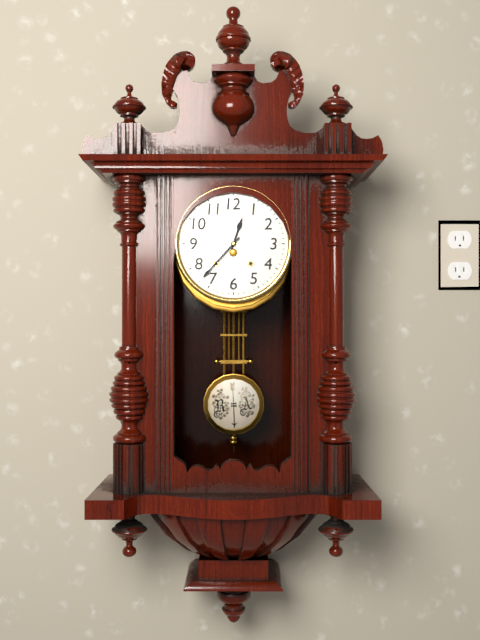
12:37
